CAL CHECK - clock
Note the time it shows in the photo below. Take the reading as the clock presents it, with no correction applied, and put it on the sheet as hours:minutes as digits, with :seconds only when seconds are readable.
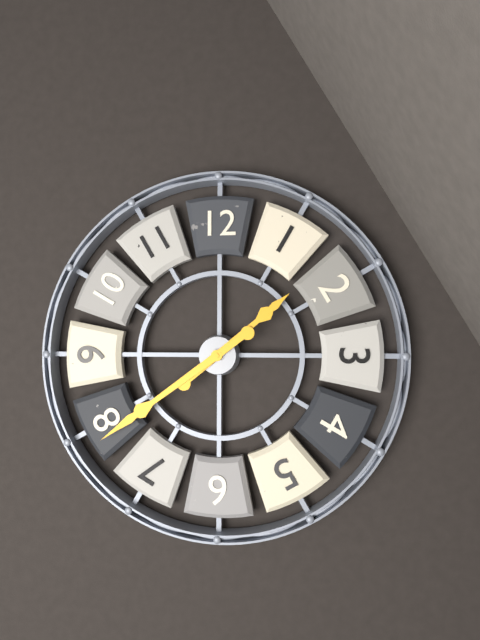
1:39
